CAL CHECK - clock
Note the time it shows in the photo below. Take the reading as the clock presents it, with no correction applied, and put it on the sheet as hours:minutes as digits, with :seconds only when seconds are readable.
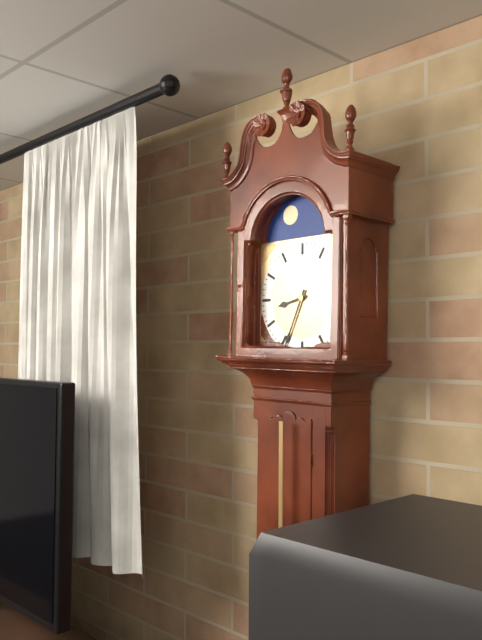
8:34
